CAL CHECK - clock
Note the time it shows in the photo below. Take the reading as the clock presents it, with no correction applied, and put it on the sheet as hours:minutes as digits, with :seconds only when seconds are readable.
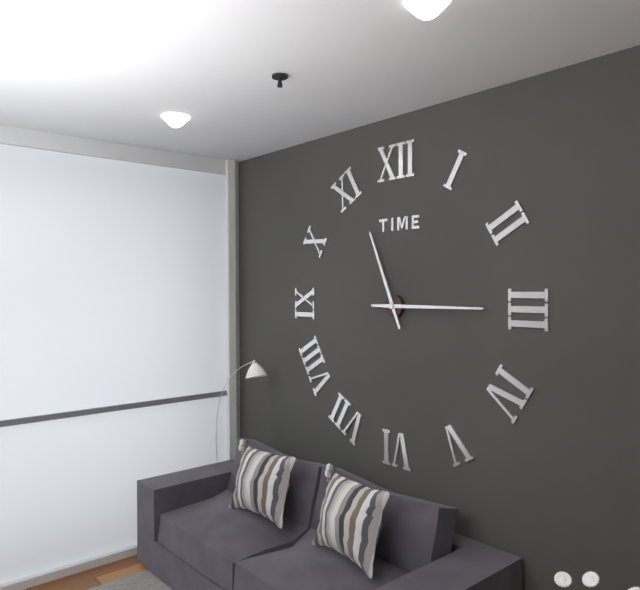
11:15
